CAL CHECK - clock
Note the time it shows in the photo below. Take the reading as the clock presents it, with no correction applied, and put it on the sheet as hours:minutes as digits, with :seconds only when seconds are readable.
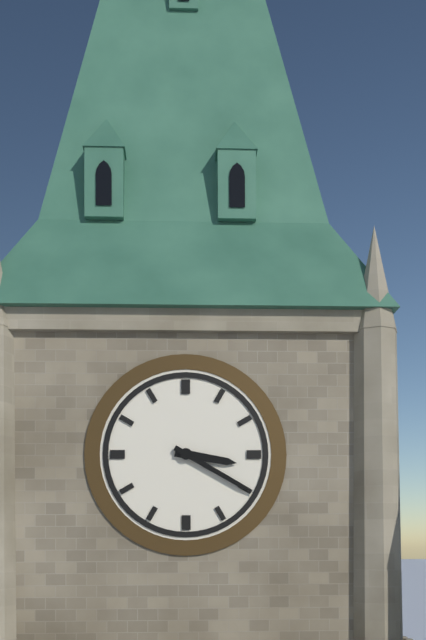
3:20
